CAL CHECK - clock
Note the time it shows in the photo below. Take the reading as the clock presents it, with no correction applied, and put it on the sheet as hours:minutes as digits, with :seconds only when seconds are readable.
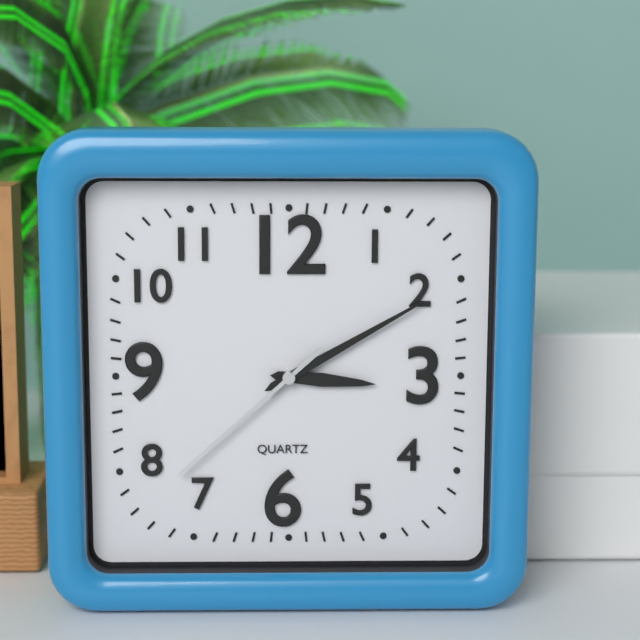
3:10:38
